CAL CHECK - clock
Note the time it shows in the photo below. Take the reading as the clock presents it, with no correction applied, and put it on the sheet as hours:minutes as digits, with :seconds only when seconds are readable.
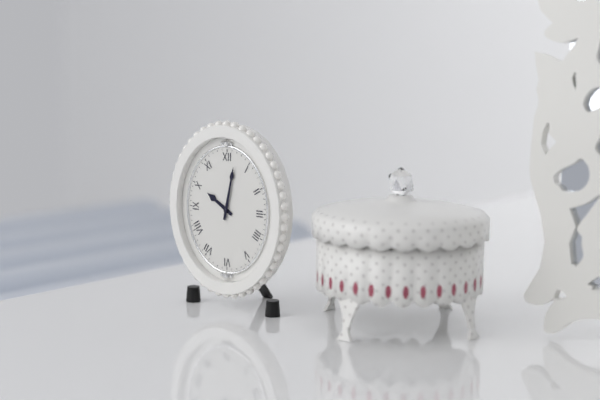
10:02
